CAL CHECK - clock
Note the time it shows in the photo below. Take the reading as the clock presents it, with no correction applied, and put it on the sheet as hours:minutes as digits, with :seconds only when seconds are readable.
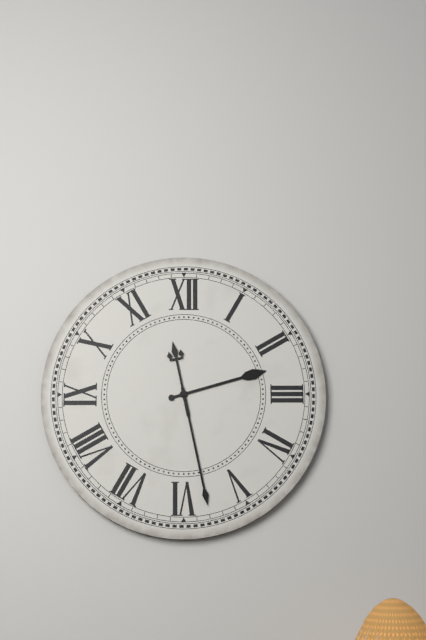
2:28
